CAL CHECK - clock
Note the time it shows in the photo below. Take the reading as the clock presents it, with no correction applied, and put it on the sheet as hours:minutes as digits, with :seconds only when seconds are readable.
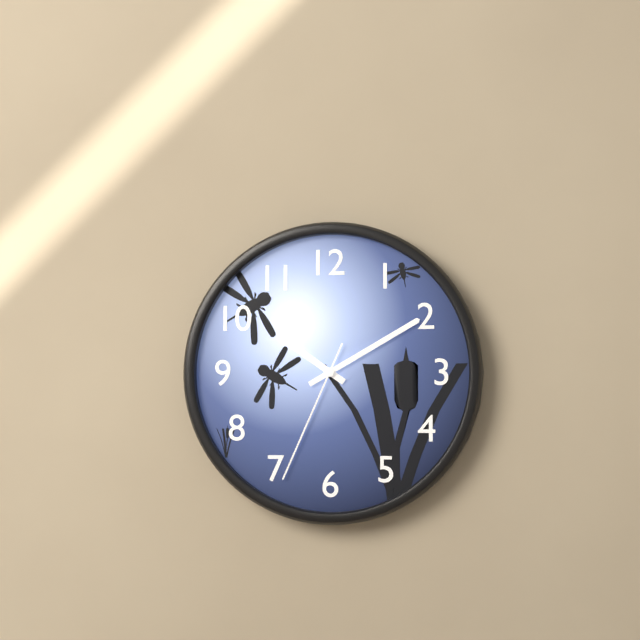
10:10:34
